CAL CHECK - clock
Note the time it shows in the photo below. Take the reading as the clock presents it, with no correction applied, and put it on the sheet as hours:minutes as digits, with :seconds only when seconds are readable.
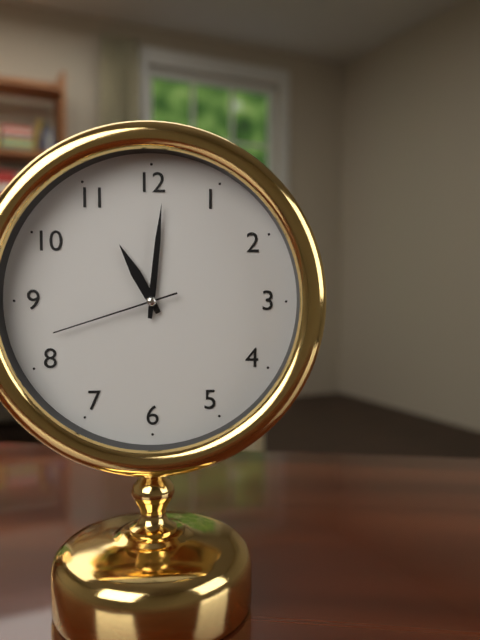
11:01:42
